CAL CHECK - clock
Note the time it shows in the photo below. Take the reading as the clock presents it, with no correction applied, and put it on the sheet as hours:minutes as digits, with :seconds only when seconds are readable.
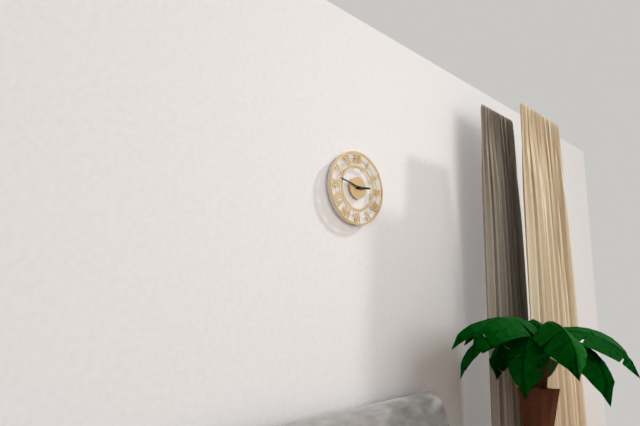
2:47
